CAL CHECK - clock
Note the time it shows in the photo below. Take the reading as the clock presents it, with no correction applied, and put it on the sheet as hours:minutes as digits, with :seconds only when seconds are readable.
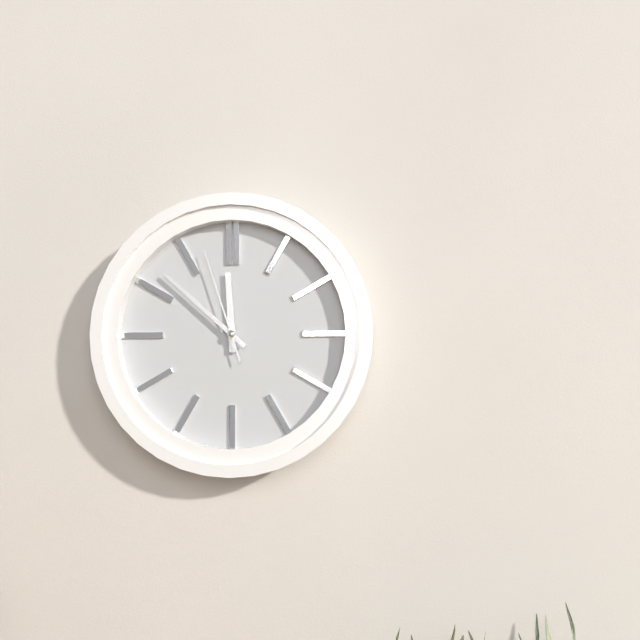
11:52:57
